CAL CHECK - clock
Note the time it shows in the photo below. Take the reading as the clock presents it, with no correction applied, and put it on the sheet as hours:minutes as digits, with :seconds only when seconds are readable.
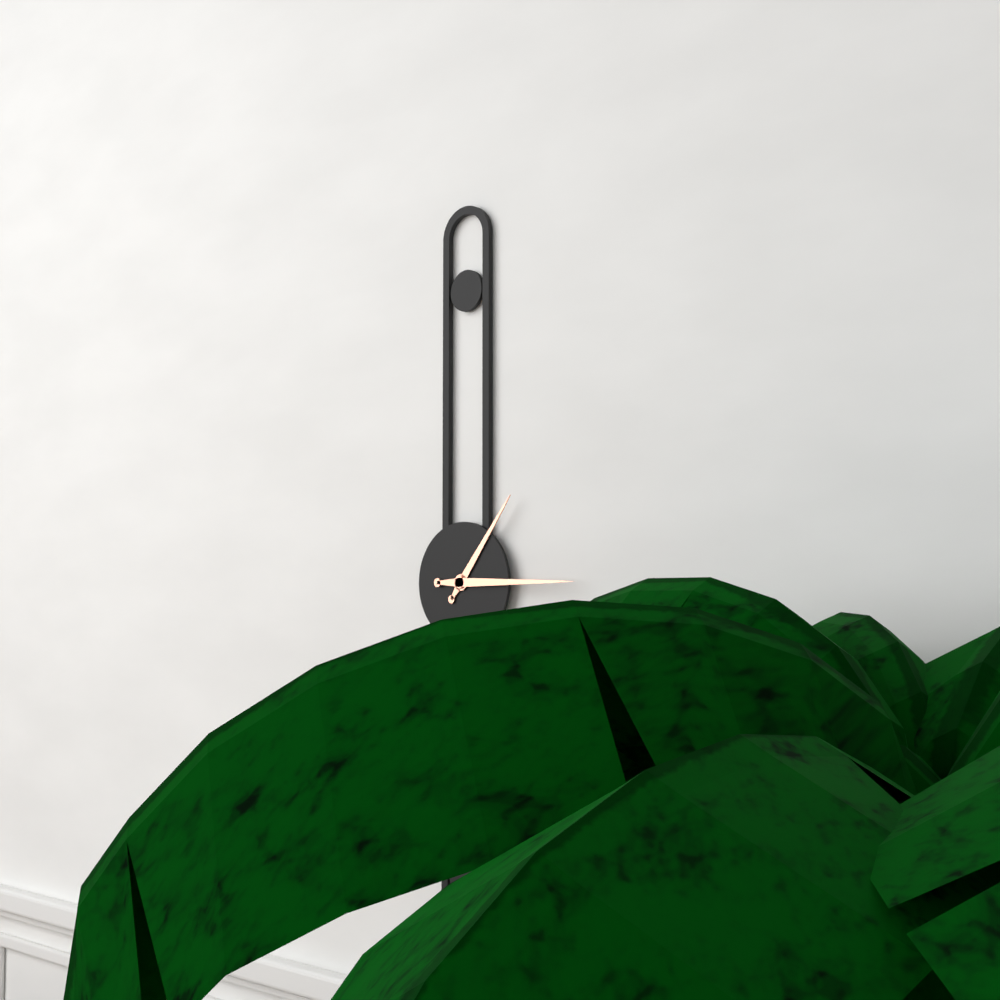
1:15
